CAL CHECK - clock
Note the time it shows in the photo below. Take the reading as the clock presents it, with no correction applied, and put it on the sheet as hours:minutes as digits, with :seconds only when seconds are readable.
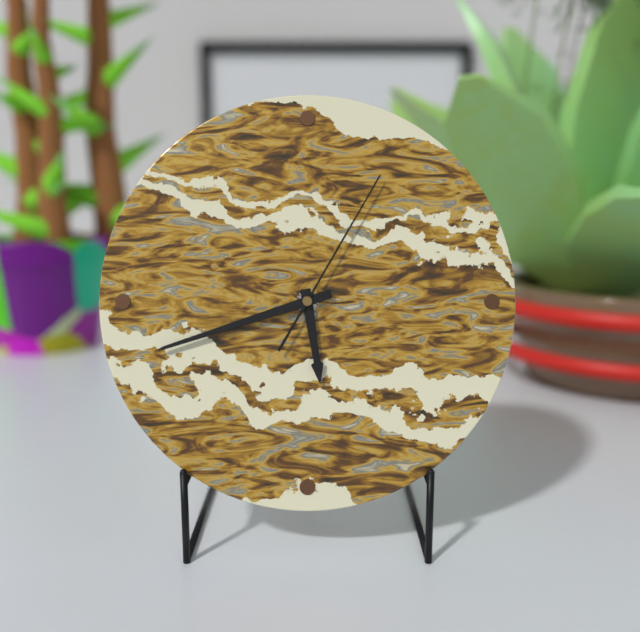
5:42:05
